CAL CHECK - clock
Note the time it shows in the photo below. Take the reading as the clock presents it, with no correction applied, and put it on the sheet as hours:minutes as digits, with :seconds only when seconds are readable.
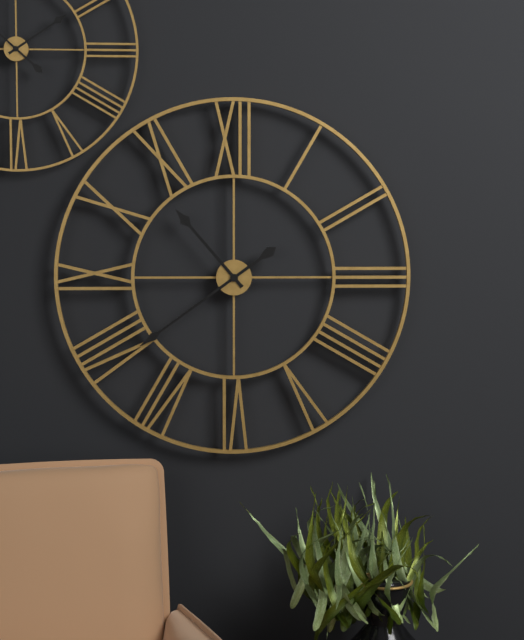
10:39
